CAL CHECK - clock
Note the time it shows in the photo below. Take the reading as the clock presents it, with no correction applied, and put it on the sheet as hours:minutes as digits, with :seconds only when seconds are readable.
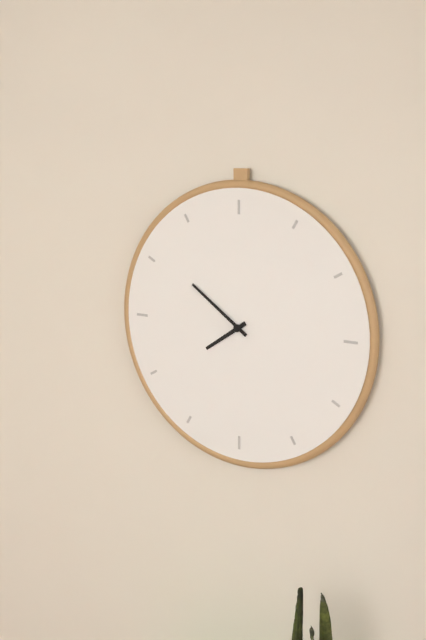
7:51
